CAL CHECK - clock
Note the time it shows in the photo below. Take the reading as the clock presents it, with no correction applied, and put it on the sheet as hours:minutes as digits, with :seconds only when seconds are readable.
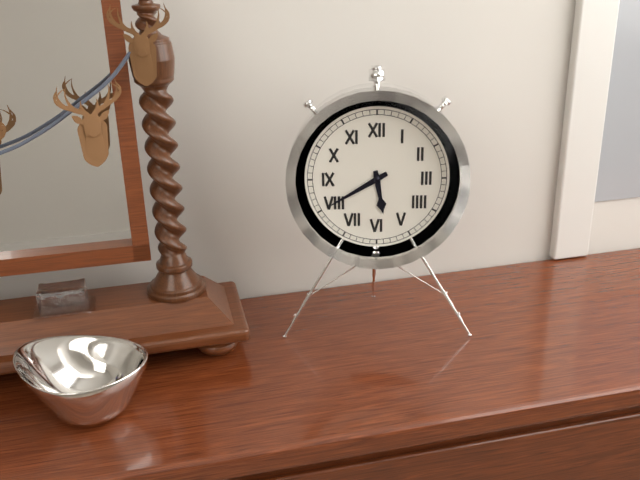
5:40
